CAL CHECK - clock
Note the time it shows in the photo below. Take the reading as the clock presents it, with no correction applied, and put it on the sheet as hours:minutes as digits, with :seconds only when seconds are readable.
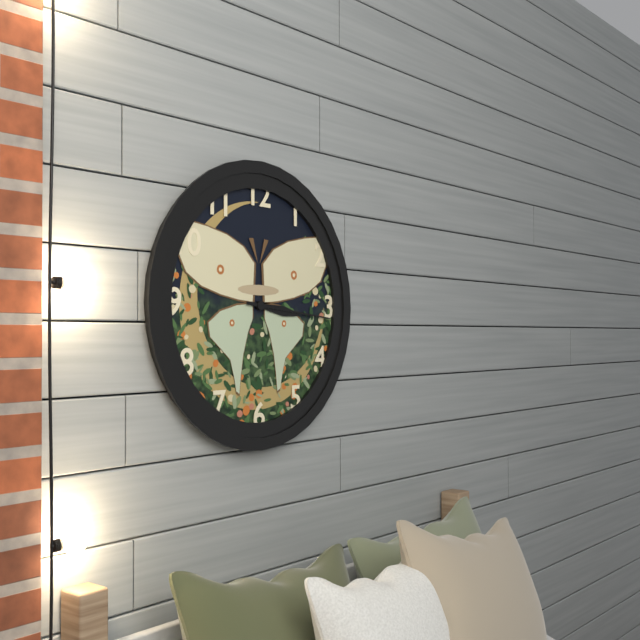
3:16
